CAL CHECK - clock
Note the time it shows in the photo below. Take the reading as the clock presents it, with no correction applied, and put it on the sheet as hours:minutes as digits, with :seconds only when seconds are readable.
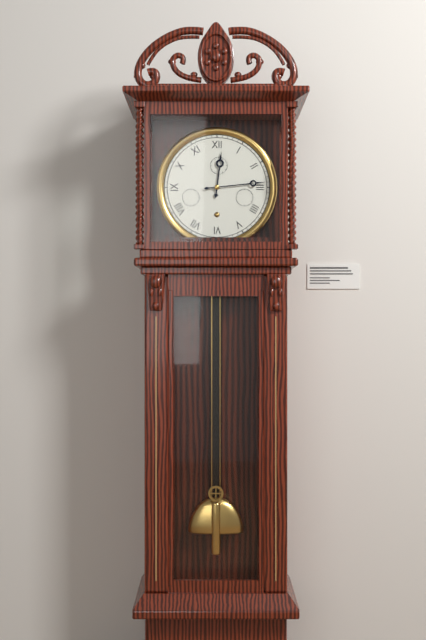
12:14
